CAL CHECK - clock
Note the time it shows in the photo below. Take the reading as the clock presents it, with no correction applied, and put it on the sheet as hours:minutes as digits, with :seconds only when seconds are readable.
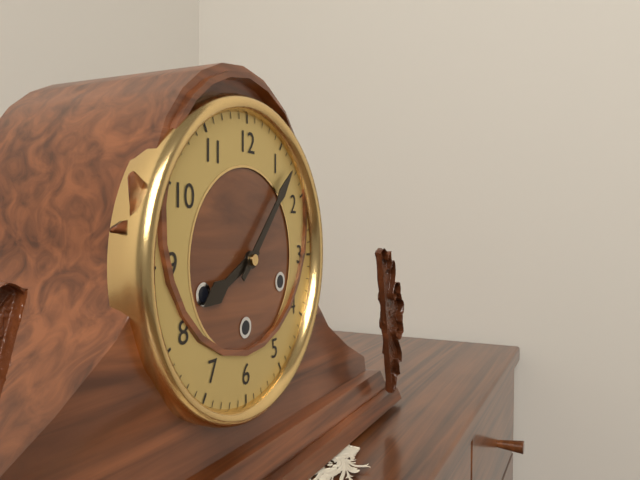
8:07
